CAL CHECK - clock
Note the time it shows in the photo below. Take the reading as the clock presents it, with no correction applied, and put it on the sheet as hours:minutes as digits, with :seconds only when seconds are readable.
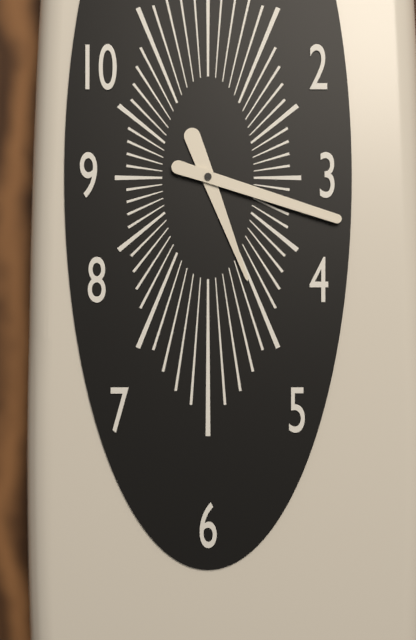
5:18
